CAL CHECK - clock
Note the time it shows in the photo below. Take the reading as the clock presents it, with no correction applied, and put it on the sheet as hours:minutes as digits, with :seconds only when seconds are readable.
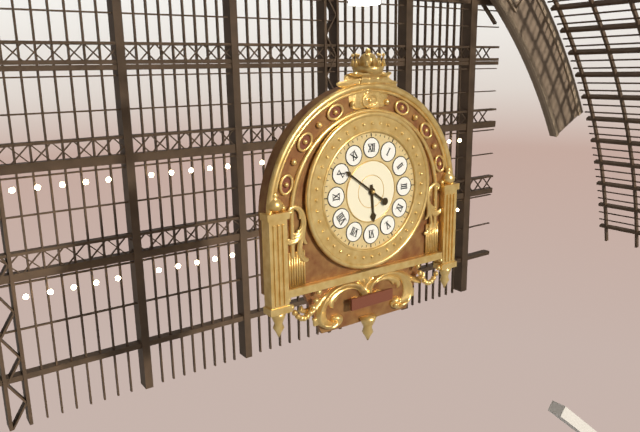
5:51
